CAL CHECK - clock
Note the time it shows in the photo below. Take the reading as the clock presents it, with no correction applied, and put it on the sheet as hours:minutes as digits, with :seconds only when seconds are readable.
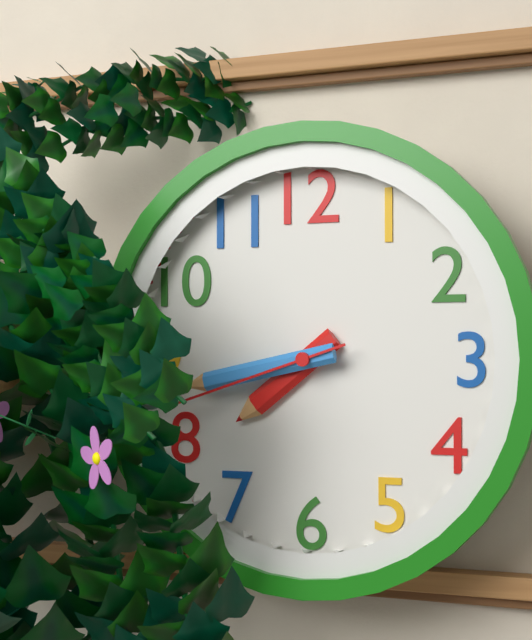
7:43:42
